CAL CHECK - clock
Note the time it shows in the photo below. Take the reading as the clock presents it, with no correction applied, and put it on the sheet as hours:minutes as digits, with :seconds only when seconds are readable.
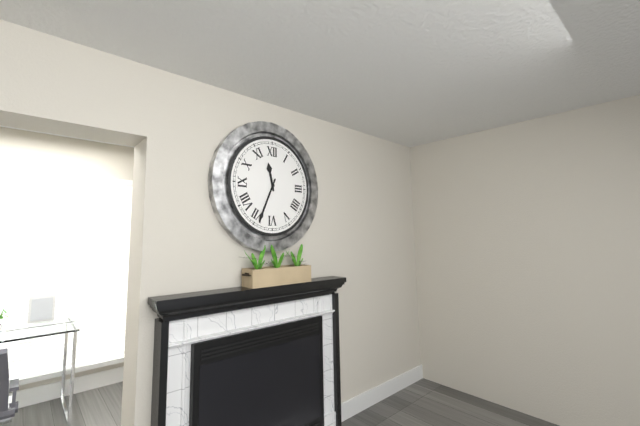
11:34
